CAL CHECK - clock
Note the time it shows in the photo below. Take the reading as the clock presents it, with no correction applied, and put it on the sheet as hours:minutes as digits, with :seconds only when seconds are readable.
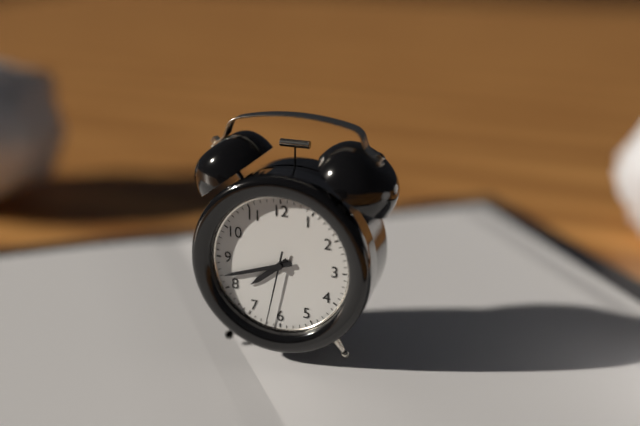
7:42:32
